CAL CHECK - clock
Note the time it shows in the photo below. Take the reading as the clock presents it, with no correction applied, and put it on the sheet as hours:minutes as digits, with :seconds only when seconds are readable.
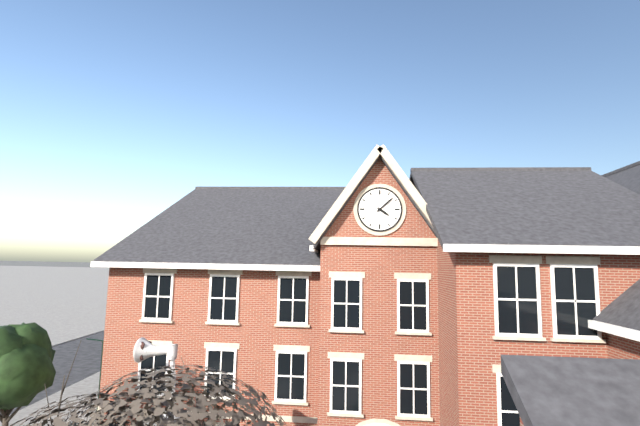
4:08
